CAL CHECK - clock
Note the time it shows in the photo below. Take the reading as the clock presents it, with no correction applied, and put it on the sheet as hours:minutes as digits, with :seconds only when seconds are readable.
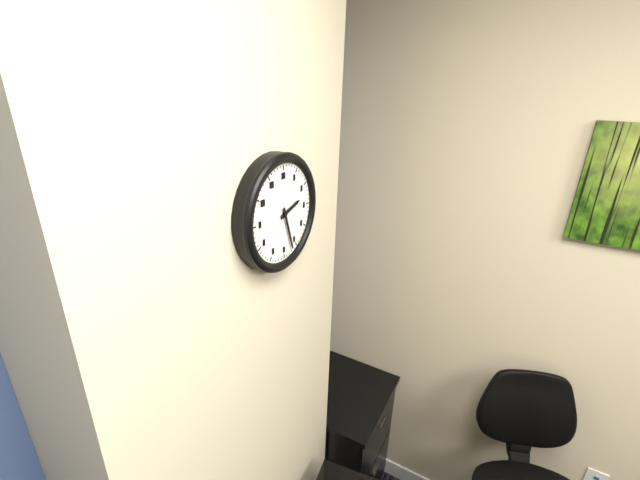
2:27
